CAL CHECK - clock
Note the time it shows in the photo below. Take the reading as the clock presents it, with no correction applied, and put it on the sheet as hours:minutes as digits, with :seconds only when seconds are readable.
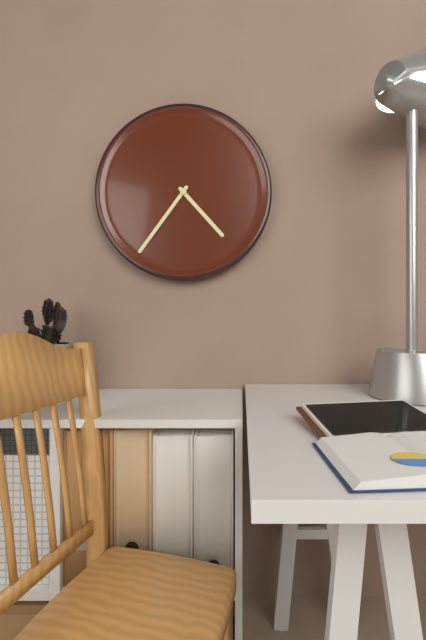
4:36
